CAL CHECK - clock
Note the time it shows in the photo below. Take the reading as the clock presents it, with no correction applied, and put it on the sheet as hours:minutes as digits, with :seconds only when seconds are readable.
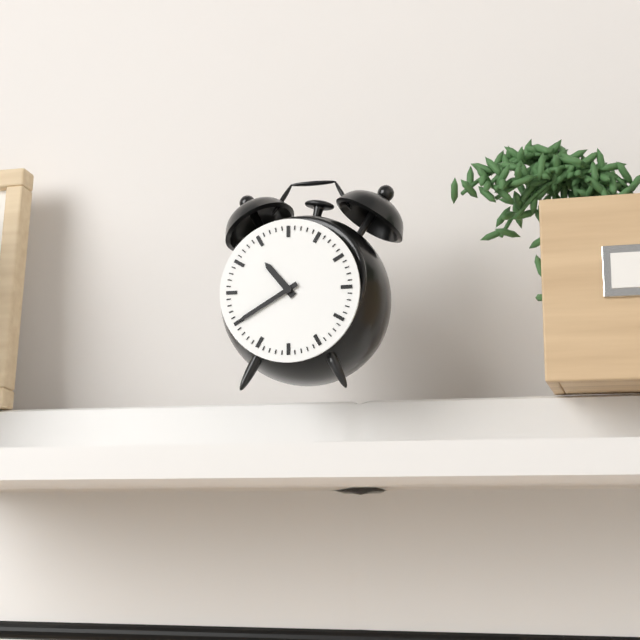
10:40
